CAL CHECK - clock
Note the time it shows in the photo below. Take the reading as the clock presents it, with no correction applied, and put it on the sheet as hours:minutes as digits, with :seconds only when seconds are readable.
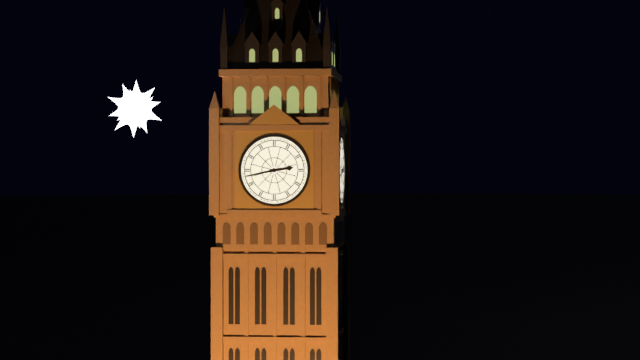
2:43
